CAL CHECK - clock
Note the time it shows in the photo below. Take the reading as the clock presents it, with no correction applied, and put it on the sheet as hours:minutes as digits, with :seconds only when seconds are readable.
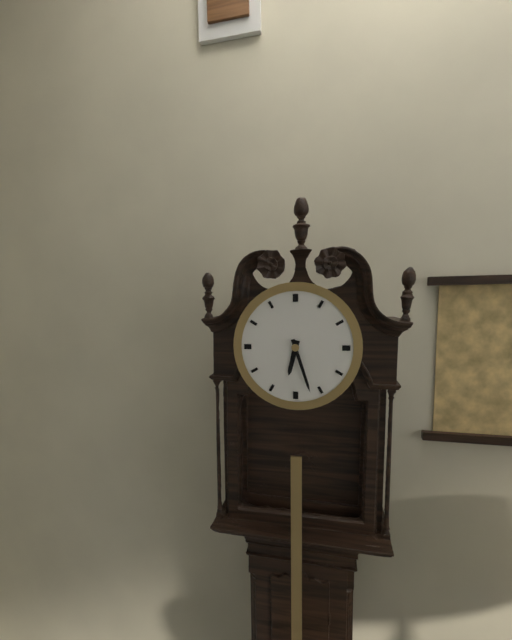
6:27
